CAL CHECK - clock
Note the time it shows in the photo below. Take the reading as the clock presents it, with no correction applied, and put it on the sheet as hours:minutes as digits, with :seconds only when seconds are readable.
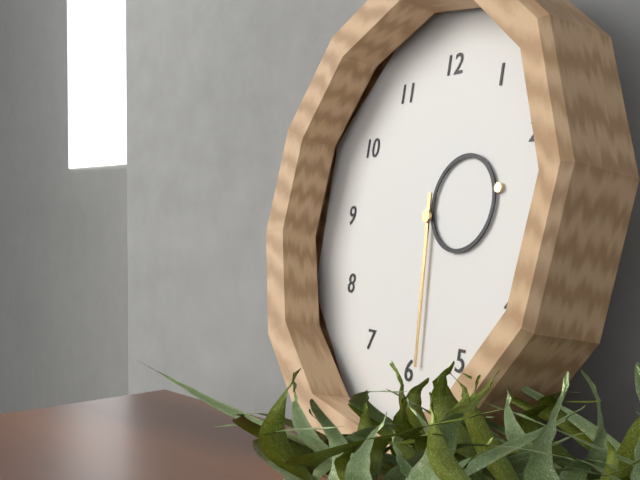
2:29
